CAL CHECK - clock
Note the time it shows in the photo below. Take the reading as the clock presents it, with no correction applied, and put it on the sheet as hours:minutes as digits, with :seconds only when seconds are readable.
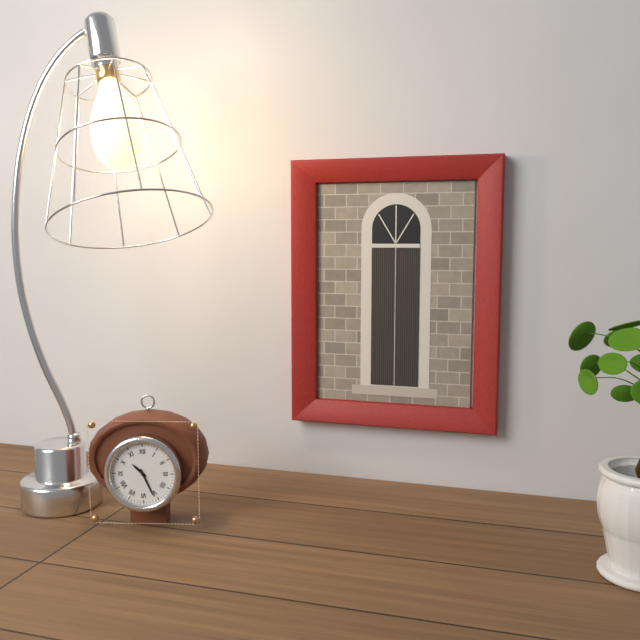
10:26
